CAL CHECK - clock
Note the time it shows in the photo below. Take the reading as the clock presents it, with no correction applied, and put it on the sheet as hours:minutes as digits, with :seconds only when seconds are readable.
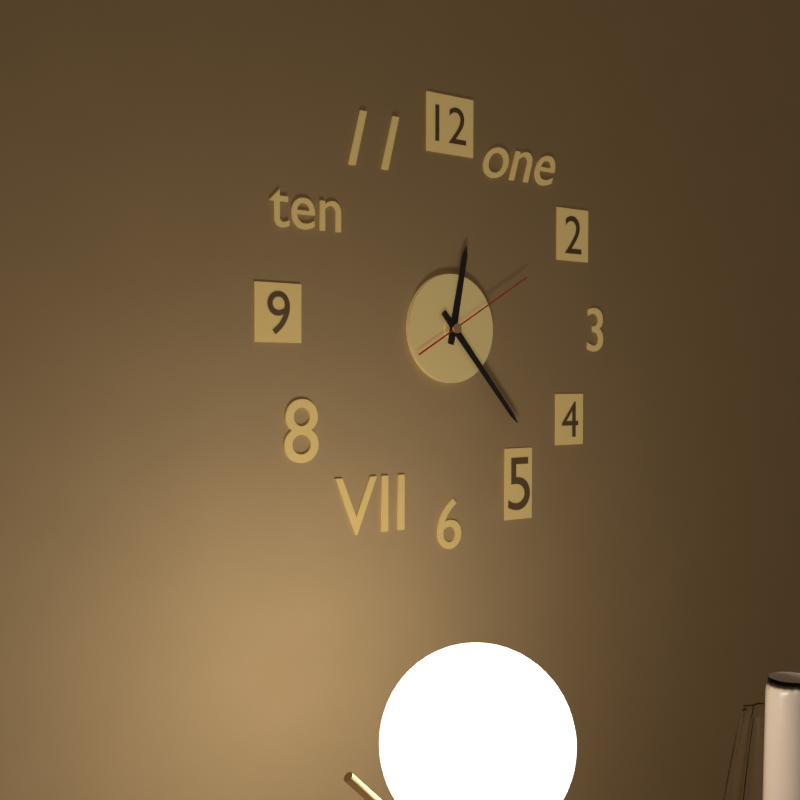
12:23:10
